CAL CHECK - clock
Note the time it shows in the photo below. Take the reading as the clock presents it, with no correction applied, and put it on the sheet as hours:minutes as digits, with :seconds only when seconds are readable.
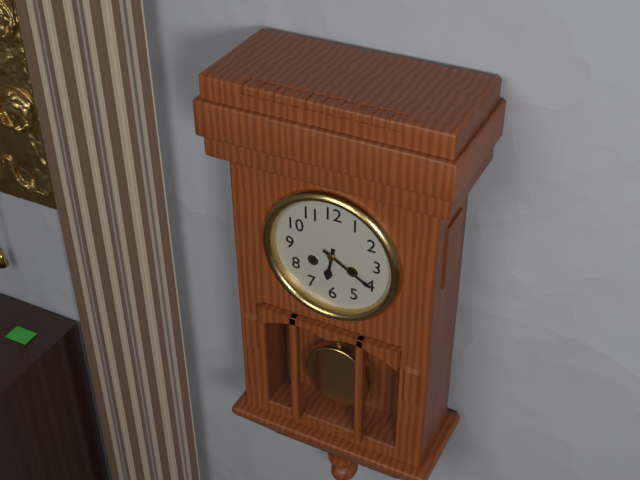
6:20
